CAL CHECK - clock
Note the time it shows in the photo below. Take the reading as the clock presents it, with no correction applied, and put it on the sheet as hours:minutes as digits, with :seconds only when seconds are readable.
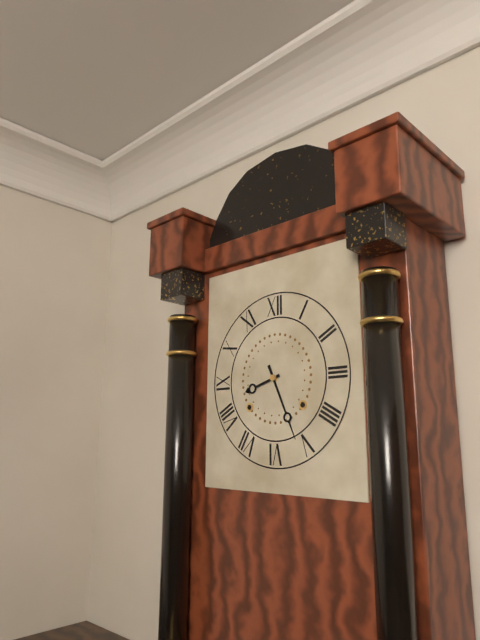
8:26
